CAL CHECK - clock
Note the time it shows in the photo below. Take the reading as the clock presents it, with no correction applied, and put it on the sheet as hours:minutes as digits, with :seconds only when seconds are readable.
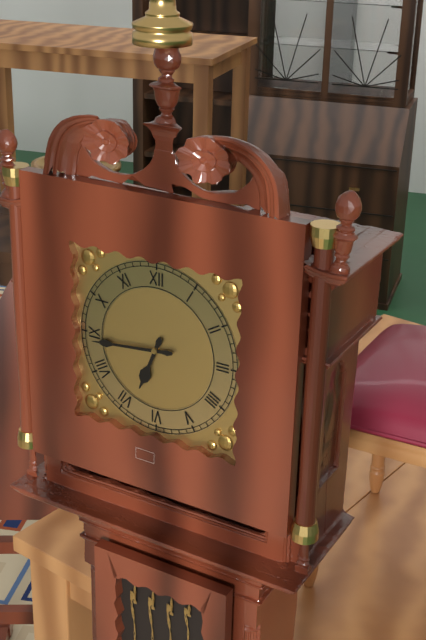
6:44
